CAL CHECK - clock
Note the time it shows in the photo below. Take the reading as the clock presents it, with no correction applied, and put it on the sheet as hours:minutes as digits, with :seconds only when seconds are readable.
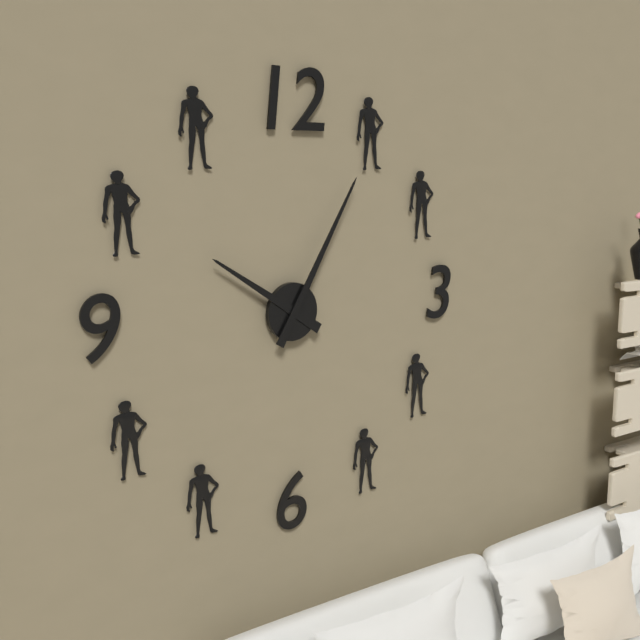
10:05
